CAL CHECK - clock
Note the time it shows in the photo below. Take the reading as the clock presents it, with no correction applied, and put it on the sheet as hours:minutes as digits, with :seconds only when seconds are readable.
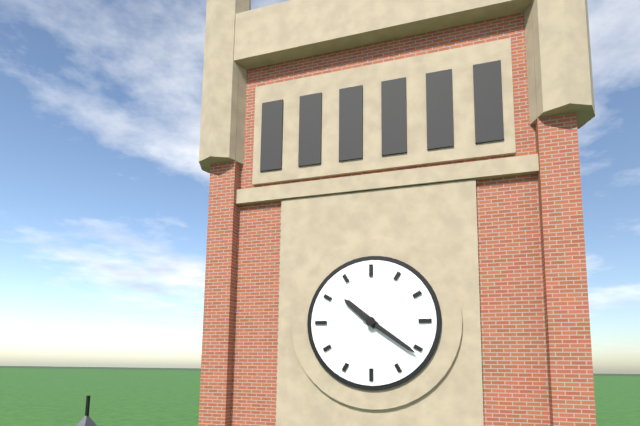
10:21
